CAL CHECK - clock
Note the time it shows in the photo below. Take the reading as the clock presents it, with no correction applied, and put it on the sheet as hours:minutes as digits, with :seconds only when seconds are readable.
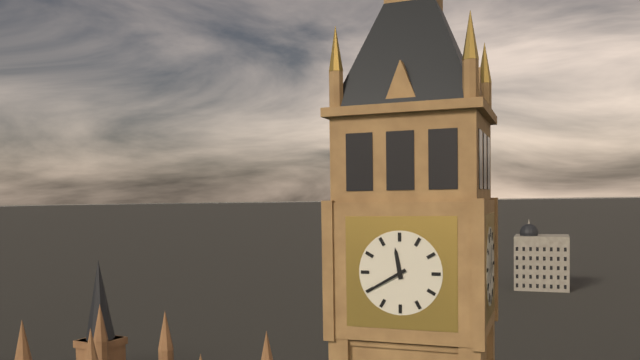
11:40
